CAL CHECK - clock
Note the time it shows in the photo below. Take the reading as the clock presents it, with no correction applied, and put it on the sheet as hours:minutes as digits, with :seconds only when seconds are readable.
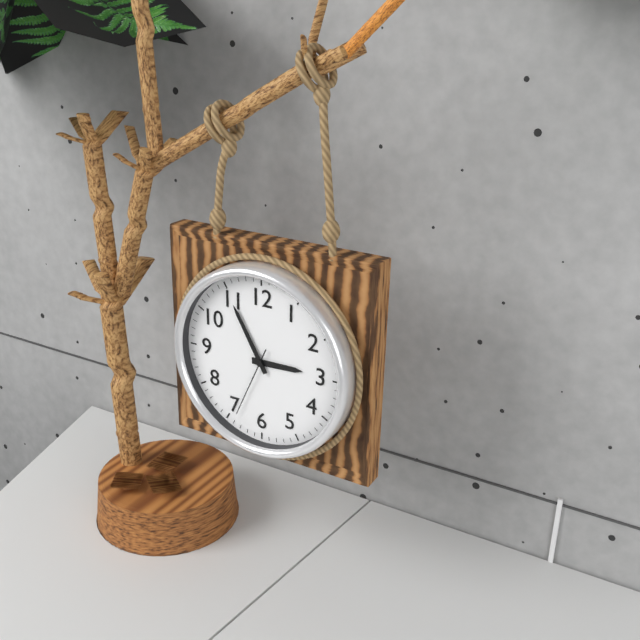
2:55:34
